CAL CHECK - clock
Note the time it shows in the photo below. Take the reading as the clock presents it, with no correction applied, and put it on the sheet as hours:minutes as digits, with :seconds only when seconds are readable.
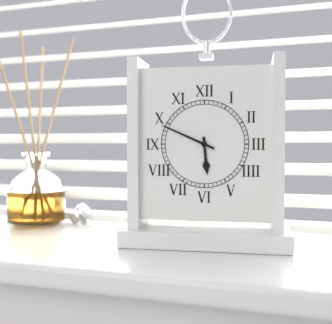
5:49
